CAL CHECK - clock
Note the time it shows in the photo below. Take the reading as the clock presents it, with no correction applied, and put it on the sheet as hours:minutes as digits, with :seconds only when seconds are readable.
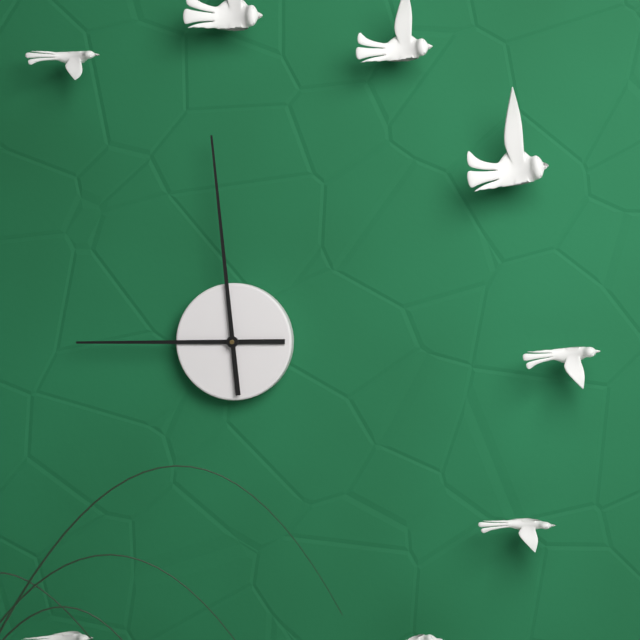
8:59
